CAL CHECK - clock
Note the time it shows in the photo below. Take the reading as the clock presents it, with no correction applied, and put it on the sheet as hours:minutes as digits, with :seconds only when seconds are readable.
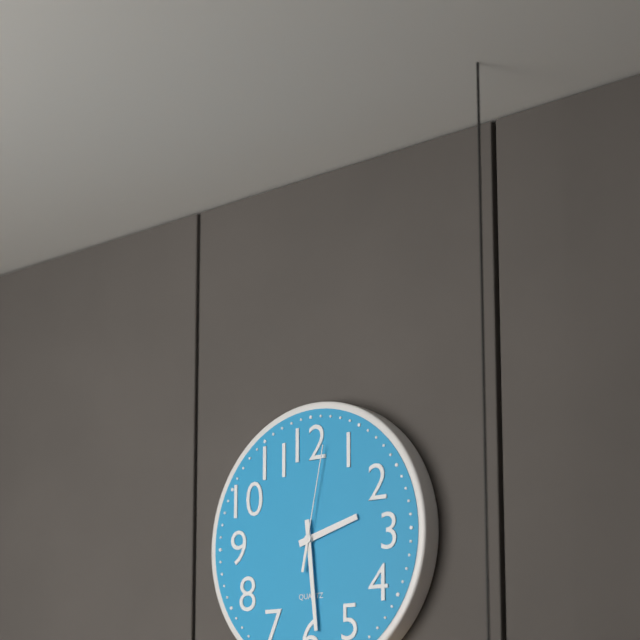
2:29:02
